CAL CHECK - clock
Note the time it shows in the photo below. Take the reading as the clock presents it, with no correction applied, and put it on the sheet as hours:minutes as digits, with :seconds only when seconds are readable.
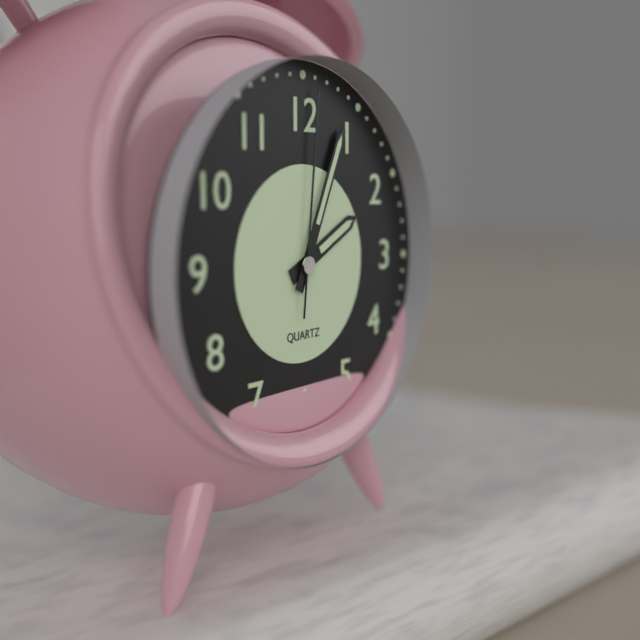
2:04:01
